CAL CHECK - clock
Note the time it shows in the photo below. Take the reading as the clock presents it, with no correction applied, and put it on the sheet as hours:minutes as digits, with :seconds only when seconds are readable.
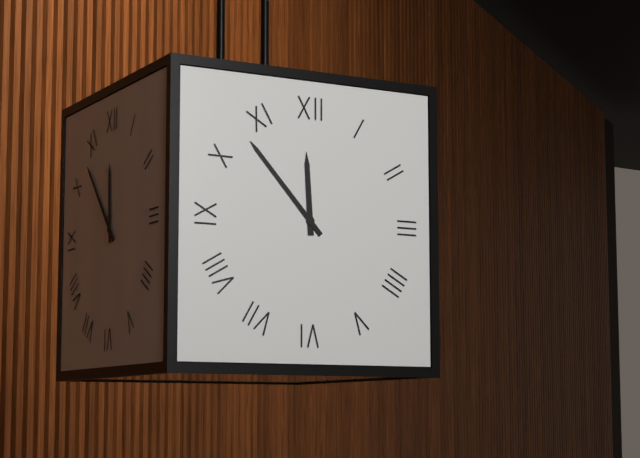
11:53
